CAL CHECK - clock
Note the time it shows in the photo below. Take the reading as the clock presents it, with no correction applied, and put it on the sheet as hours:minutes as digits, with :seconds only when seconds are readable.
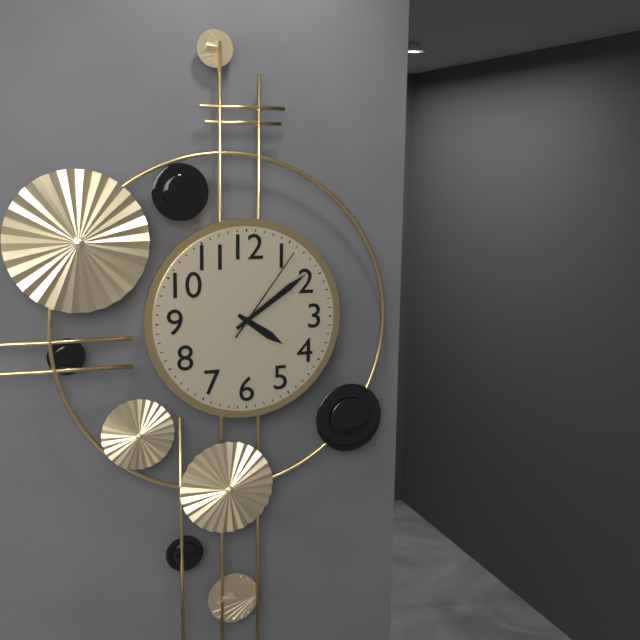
4:09:06
